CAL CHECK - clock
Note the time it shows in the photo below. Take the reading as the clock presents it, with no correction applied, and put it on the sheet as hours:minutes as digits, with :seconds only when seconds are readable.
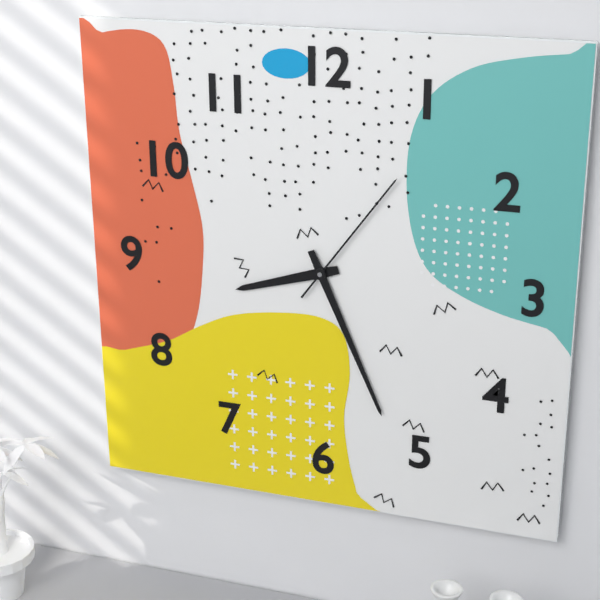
8:26:06
